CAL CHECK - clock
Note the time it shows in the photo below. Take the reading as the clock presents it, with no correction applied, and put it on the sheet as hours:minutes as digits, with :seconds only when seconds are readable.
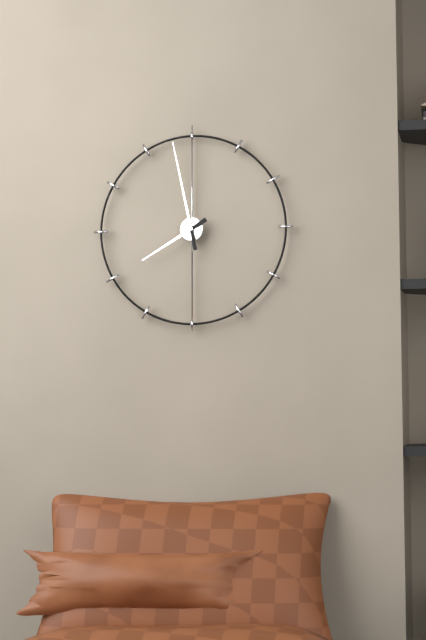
7:58
